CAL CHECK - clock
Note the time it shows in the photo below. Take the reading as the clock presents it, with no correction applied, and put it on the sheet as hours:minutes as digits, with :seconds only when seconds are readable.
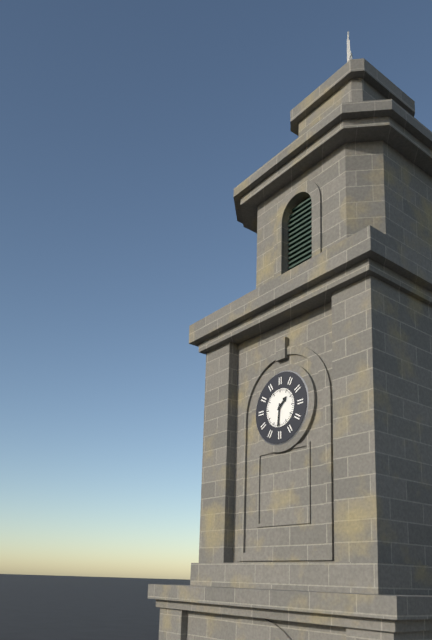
1:31
